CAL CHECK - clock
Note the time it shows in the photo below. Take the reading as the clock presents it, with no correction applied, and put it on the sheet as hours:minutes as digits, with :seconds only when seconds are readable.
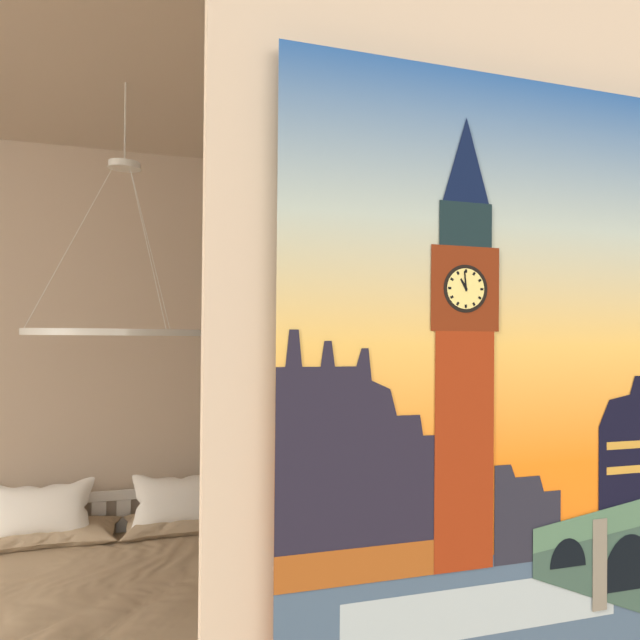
10:59
